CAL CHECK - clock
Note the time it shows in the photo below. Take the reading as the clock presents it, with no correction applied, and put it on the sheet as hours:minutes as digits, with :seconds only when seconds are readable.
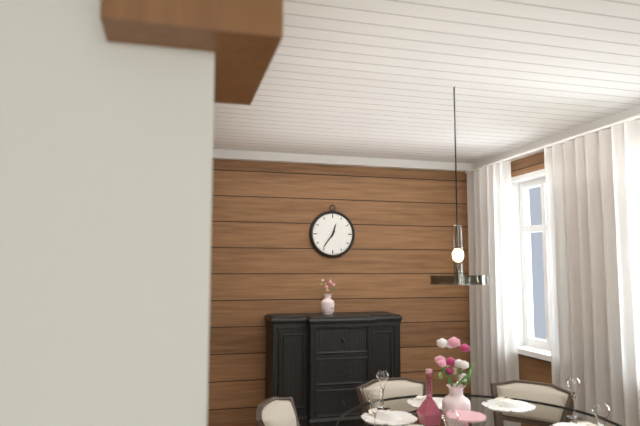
12:36
